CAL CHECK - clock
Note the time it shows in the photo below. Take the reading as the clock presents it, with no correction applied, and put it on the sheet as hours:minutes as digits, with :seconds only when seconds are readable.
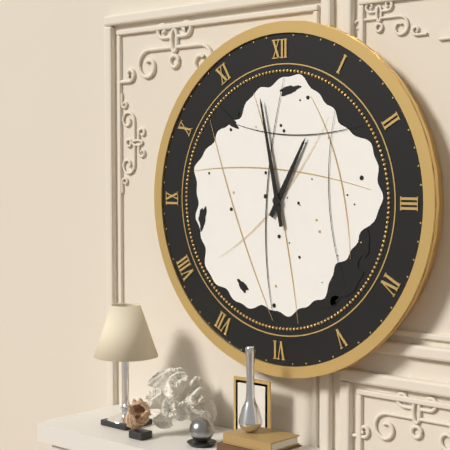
12:58
